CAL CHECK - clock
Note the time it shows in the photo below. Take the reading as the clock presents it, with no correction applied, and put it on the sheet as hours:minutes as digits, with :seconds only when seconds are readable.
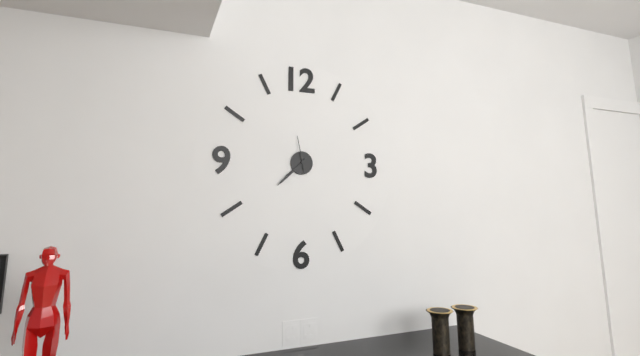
7:38
